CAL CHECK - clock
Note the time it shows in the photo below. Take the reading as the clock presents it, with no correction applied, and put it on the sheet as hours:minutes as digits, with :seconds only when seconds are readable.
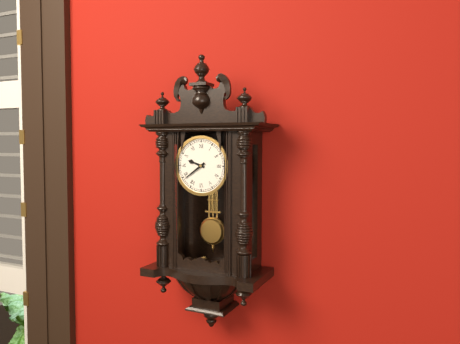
9:39
